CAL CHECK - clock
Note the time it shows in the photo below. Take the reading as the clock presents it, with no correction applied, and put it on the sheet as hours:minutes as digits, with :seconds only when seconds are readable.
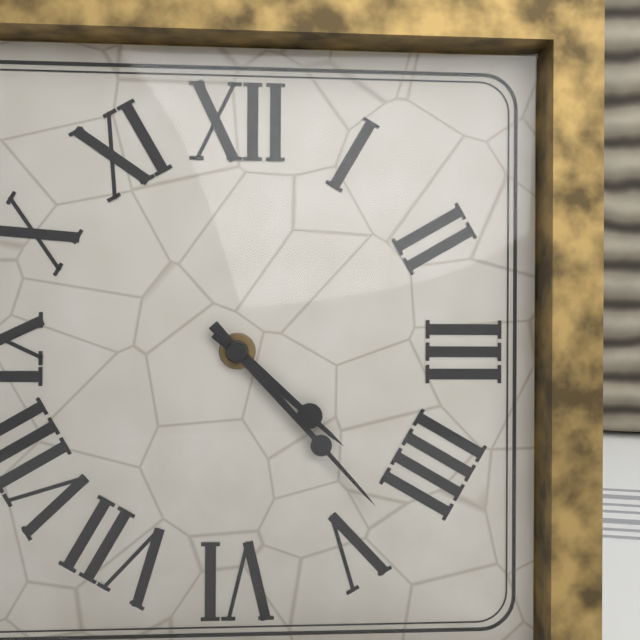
4:23
